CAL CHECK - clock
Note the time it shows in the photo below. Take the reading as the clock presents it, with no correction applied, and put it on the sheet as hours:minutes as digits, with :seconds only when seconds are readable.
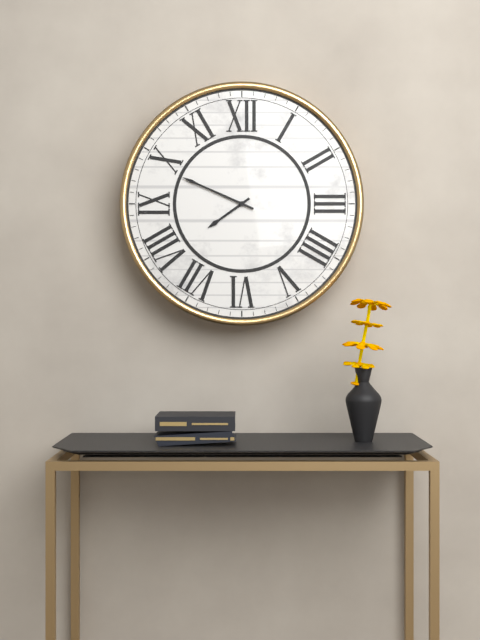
7:49
